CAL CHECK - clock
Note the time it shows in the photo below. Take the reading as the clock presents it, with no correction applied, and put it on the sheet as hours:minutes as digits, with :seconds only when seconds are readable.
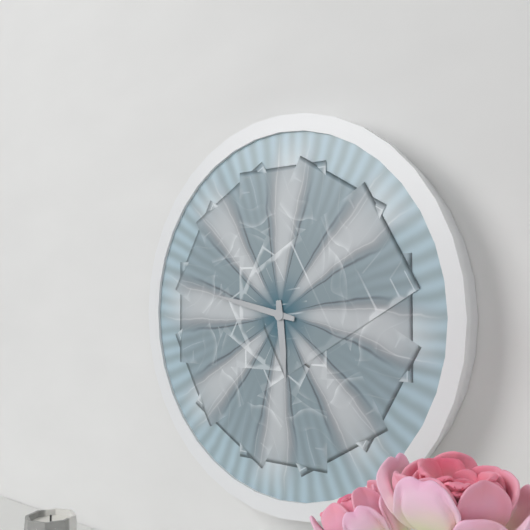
5:47
